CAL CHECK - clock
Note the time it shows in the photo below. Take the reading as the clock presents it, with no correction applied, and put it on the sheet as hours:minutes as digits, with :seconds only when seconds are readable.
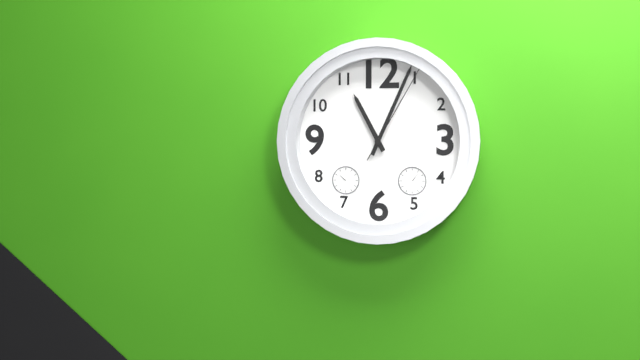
11:04:05
